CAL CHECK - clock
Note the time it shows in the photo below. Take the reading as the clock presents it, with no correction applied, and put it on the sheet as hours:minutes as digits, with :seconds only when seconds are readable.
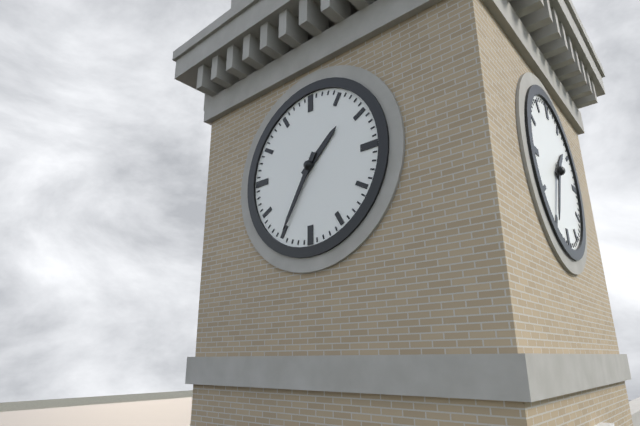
1:35
